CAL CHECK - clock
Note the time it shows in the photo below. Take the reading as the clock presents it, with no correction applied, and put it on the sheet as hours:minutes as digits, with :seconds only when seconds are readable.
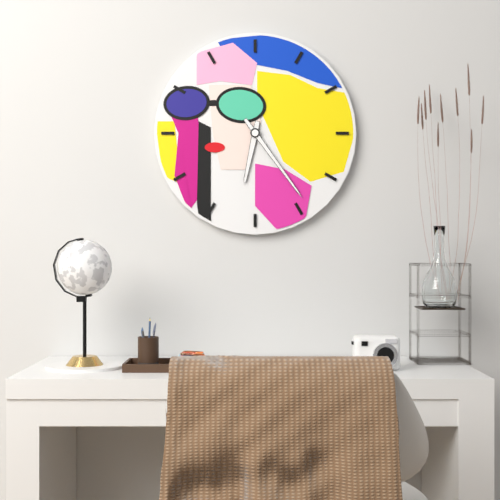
6:24
